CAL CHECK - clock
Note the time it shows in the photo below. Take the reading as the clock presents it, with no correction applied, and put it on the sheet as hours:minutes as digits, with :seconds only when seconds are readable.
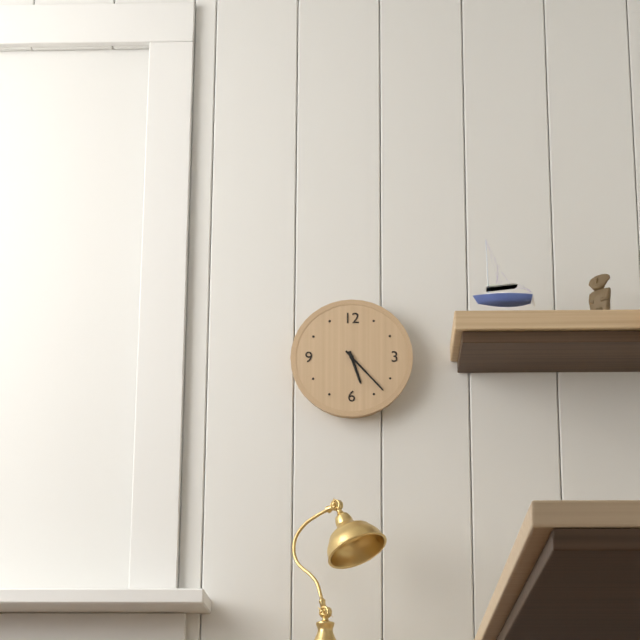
5:23
